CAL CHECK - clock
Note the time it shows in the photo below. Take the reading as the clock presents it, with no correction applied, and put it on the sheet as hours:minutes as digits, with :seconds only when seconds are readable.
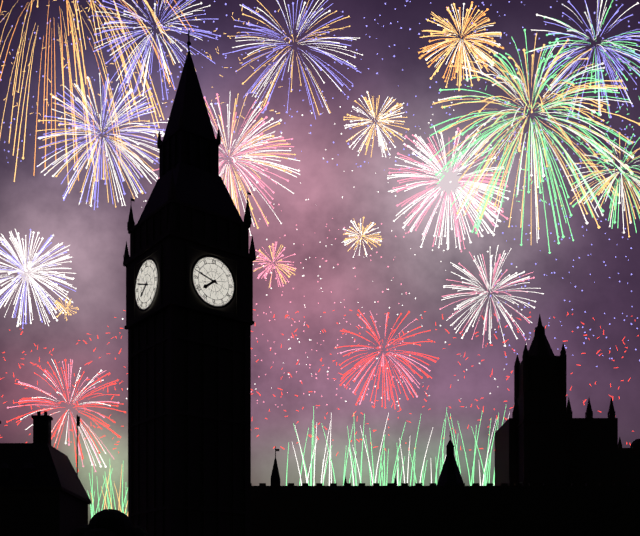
7:48
